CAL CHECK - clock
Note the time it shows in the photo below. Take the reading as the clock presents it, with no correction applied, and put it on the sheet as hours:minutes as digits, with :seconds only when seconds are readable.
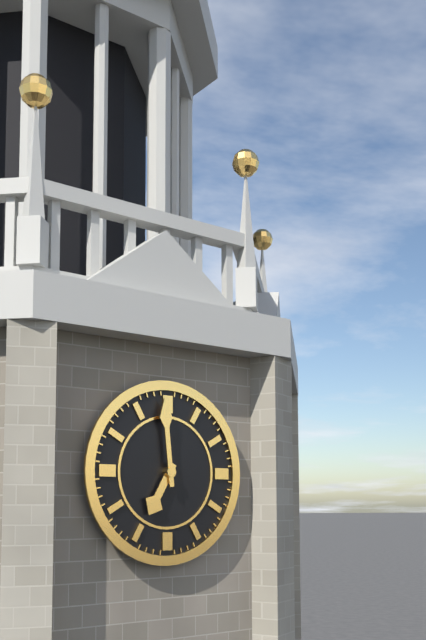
6:59
